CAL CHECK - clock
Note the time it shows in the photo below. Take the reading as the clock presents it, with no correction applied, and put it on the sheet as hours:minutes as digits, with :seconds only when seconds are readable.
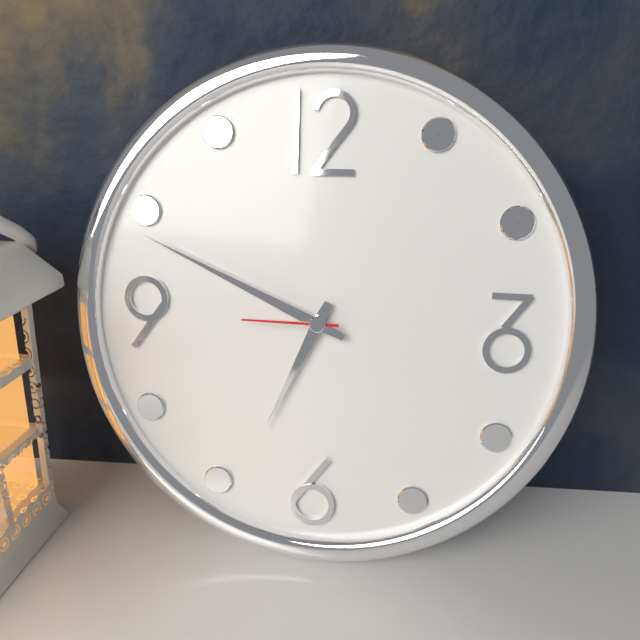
6:49:45
